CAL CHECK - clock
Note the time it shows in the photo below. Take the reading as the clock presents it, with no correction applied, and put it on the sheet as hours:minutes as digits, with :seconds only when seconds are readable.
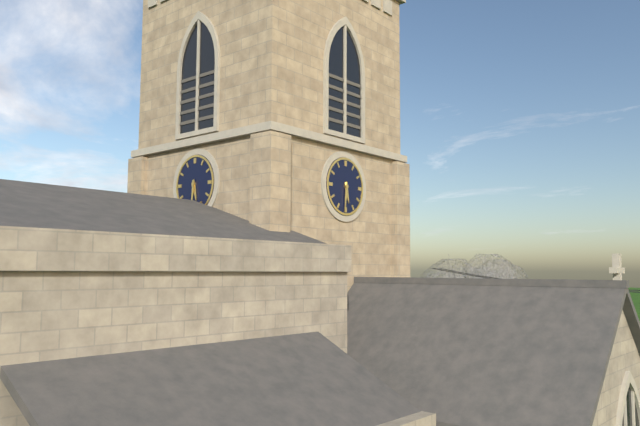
5:31
